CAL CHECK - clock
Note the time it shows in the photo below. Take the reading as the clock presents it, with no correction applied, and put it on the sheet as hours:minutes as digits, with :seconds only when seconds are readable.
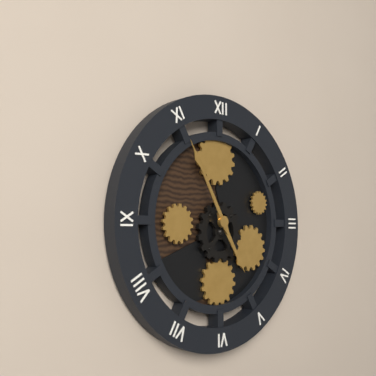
4:55
